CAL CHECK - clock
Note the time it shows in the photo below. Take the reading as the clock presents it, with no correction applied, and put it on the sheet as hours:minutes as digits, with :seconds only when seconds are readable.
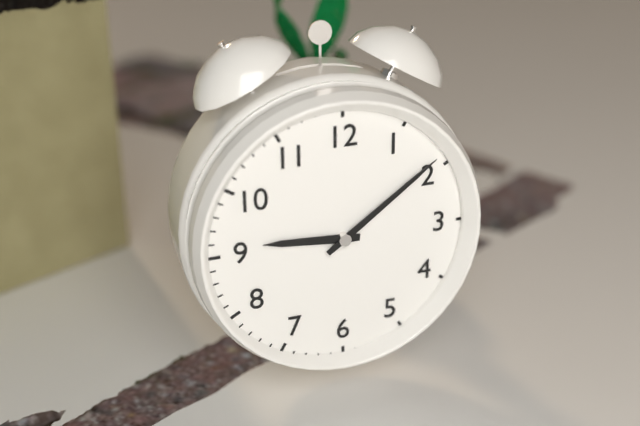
9:09
